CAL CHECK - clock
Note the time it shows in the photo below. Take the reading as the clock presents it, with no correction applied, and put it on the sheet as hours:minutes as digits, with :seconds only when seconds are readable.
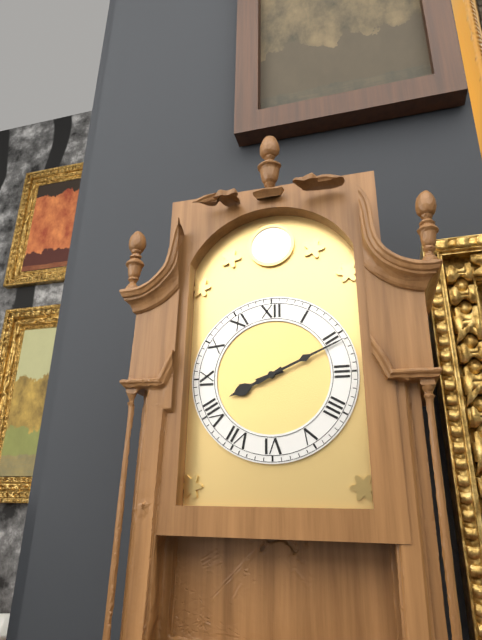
8:11
